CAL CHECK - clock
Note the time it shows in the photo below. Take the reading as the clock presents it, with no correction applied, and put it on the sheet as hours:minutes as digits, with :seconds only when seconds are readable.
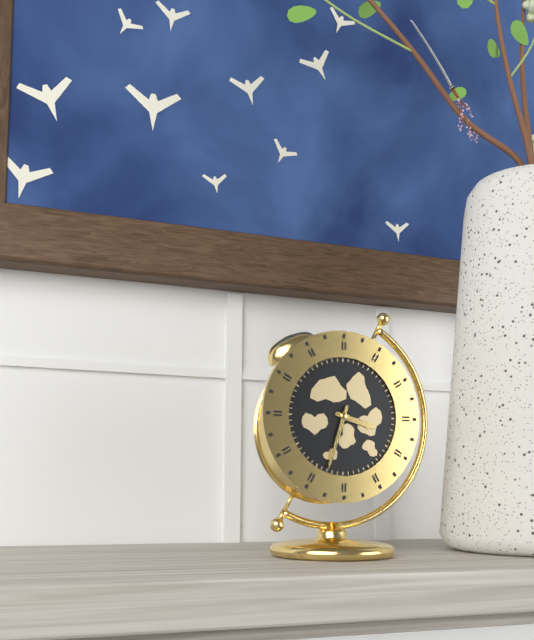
3:33
